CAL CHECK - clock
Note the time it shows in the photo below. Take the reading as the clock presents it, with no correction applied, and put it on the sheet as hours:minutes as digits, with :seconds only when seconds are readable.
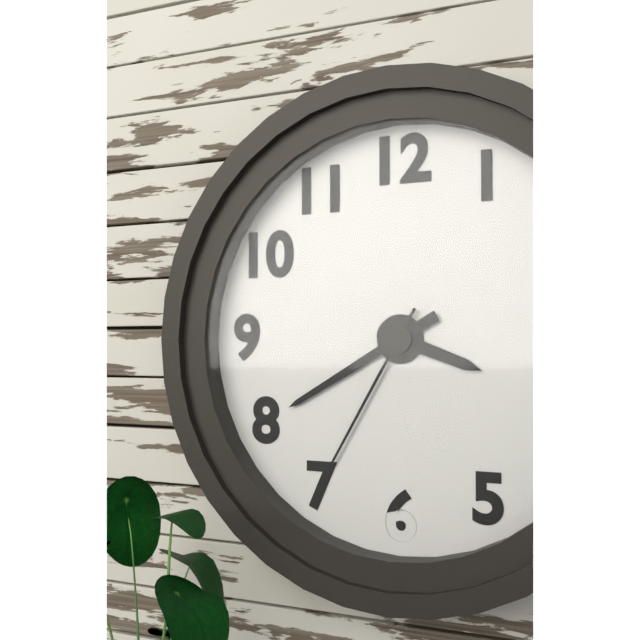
3:40:35
